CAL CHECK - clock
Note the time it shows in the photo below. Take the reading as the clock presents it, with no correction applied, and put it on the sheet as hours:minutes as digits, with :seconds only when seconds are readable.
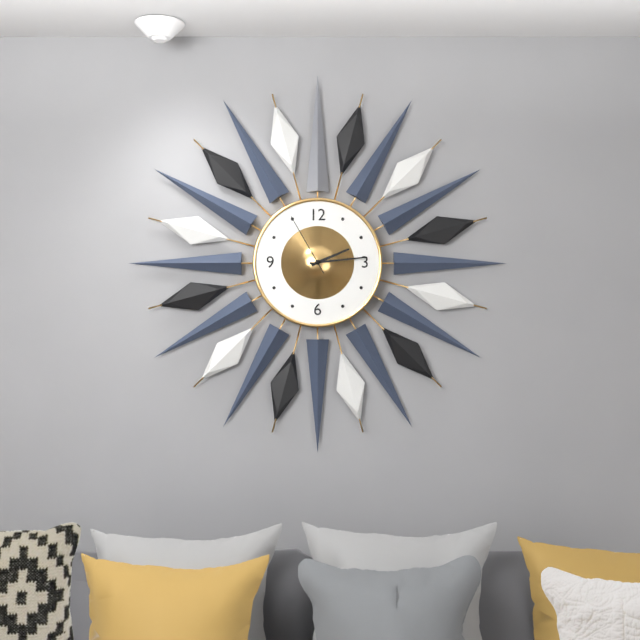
2:14:55
